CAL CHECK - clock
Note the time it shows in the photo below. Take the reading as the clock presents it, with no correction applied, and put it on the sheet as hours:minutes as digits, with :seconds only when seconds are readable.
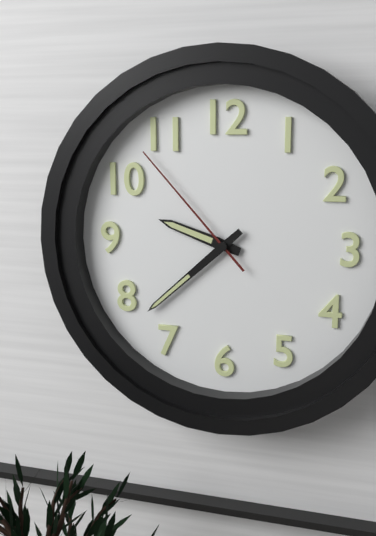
9:38:53
